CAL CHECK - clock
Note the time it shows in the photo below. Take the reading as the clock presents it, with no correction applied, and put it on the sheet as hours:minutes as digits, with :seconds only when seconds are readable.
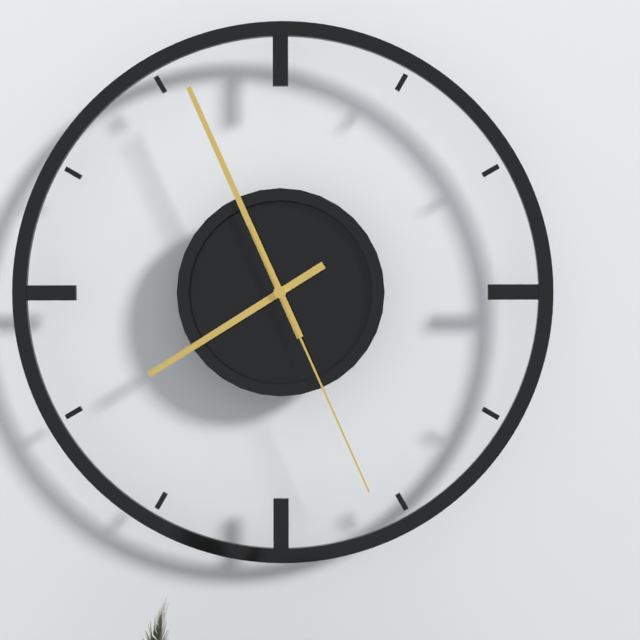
7:56:26
